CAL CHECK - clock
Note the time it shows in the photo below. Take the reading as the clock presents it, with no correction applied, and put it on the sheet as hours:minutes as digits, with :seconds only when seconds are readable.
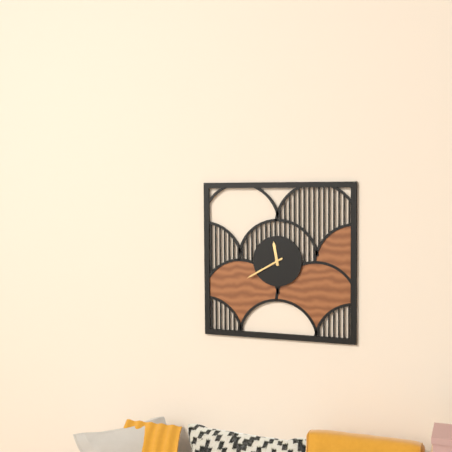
11:40
